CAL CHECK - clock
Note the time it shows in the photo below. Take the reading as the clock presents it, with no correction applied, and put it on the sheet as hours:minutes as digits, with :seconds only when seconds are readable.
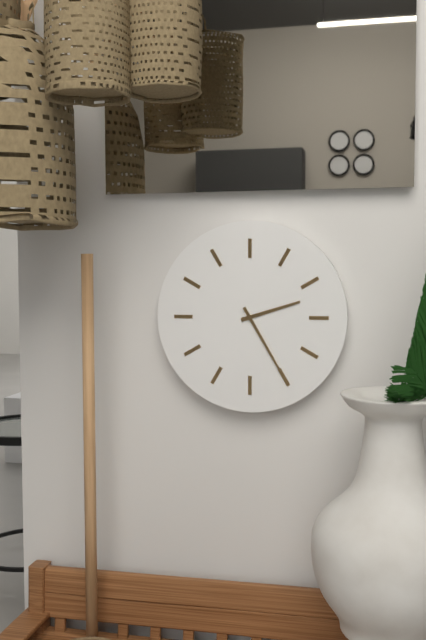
2:25
